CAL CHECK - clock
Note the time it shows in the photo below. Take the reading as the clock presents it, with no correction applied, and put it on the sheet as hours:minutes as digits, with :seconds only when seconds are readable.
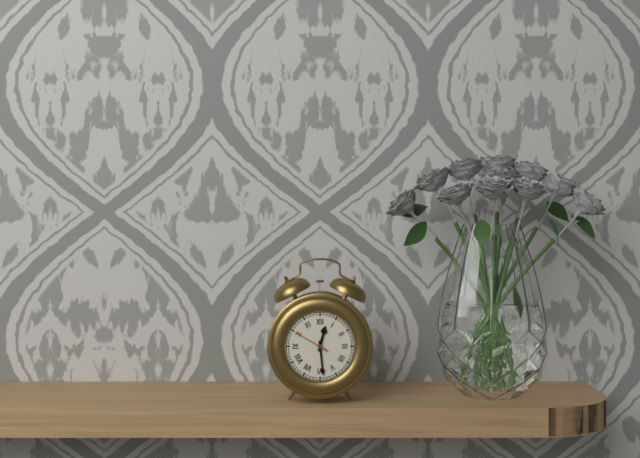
12:29
